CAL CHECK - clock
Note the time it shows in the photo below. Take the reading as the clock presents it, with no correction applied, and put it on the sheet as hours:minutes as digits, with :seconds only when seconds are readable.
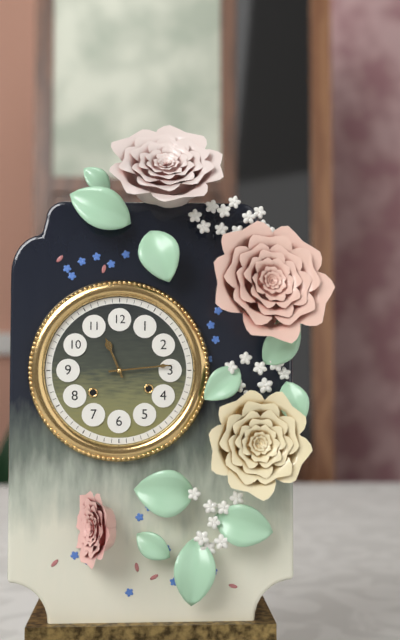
11:14
